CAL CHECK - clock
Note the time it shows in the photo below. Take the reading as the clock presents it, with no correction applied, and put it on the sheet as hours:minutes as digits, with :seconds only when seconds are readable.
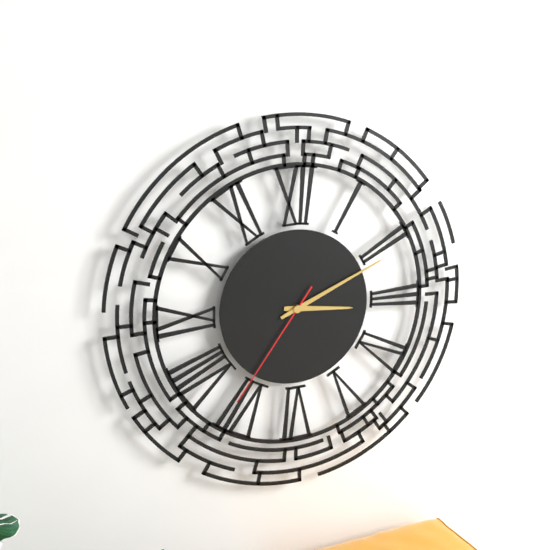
3:11:36
